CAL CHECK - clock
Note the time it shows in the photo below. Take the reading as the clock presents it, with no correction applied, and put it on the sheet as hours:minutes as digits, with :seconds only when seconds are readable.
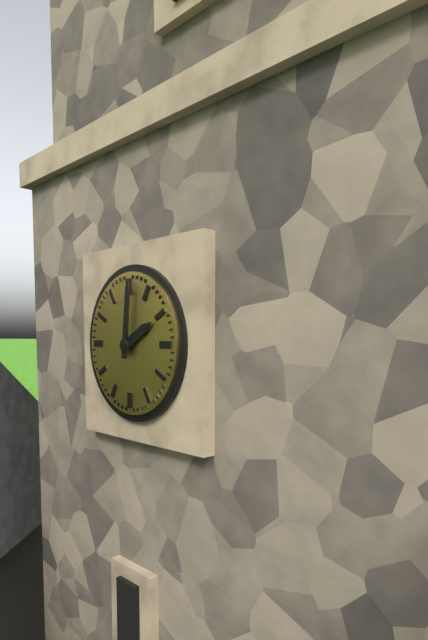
2:01
